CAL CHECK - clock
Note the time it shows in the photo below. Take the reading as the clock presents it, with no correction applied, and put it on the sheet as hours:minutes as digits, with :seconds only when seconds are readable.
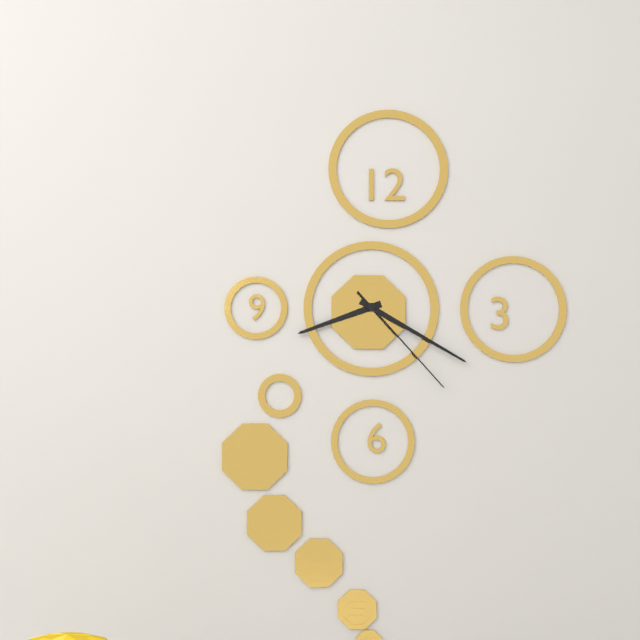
8:20:23
